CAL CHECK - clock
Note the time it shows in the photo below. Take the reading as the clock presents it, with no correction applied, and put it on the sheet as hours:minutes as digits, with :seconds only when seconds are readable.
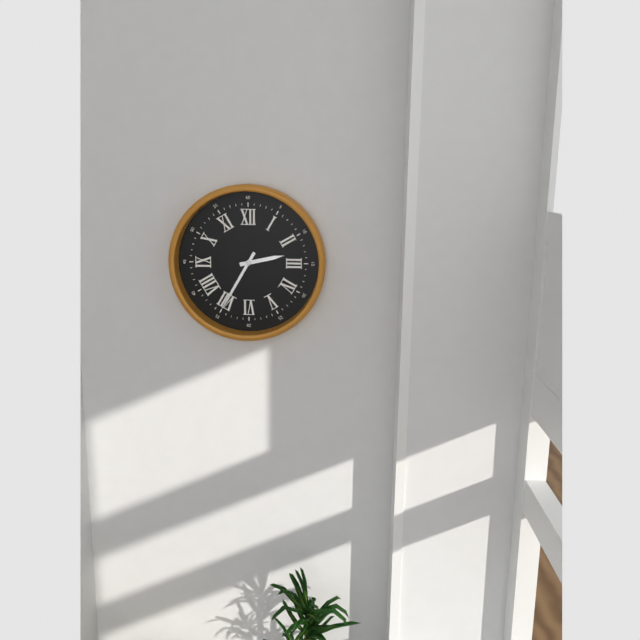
2:35
